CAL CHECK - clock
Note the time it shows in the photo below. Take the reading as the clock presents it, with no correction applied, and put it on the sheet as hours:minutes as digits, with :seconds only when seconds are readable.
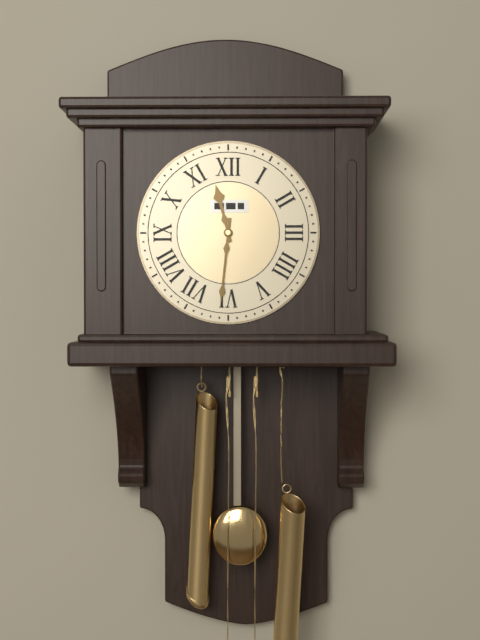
11:31
